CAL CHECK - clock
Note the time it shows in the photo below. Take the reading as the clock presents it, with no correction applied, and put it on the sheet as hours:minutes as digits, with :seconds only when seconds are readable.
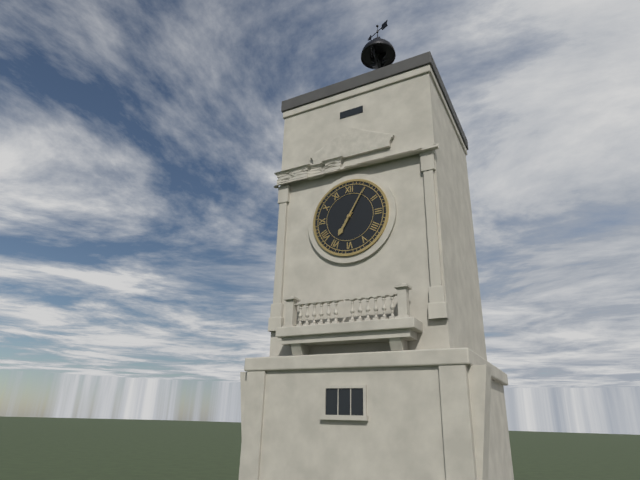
7:05
